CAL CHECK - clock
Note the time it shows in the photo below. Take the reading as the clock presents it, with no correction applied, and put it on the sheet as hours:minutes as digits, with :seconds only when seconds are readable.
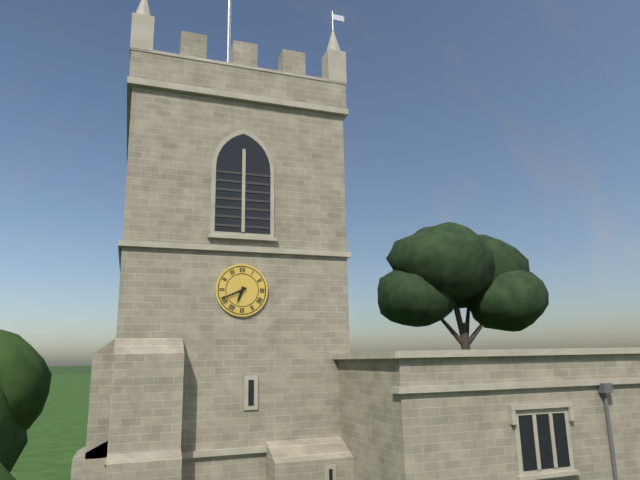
6:41
